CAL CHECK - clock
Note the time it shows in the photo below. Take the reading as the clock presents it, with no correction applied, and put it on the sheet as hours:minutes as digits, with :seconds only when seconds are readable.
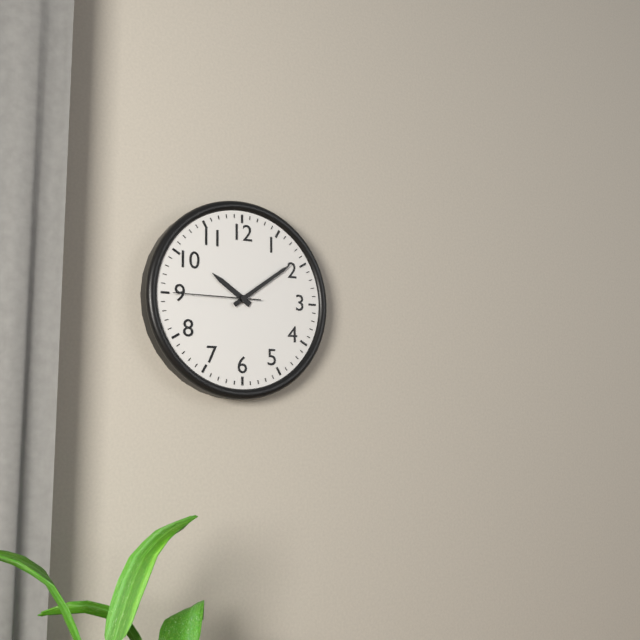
10:09:45
